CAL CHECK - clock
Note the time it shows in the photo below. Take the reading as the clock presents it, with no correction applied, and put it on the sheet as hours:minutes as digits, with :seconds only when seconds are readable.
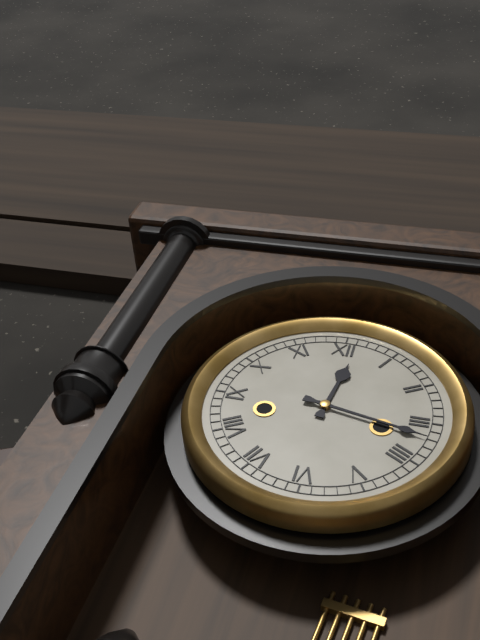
12:17
